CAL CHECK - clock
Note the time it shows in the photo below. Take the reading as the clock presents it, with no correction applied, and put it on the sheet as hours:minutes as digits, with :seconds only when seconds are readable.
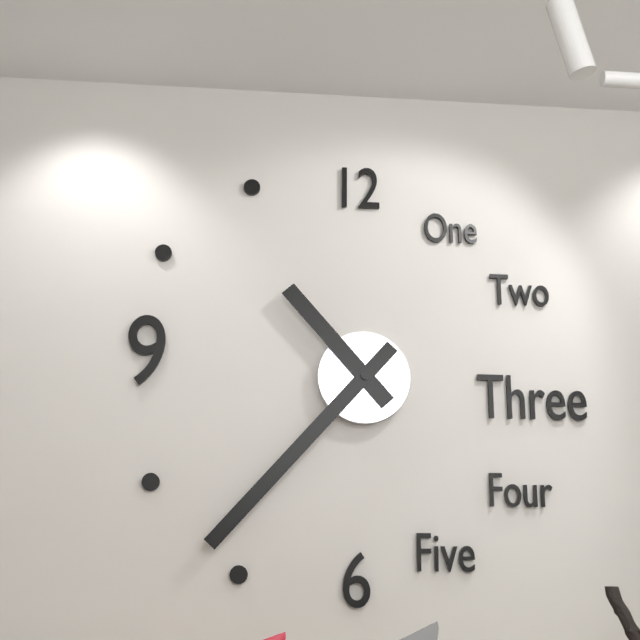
10:37
